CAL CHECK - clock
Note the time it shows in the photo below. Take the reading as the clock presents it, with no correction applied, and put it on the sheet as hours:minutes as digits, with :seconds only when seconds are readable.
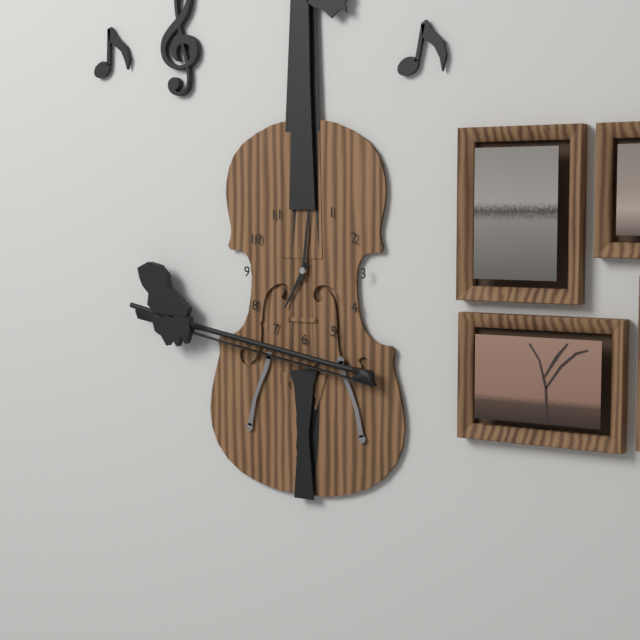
7:01
